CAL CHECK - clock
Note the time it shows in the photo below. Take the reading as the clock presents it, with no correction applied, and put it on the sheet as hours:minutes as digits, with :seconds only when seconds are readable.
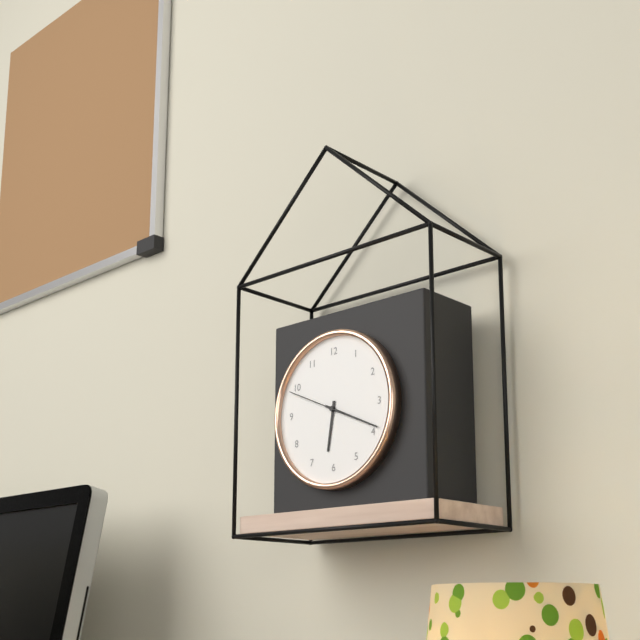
6:19:49
